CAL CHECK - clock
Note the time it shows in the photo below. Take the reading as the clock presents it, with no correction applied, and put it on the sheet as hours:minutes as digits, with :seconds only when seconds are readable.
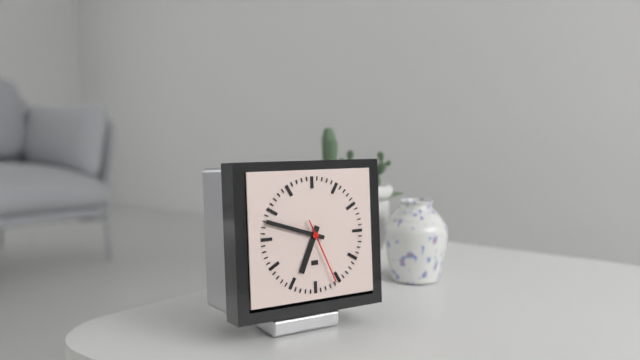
6:48:26
